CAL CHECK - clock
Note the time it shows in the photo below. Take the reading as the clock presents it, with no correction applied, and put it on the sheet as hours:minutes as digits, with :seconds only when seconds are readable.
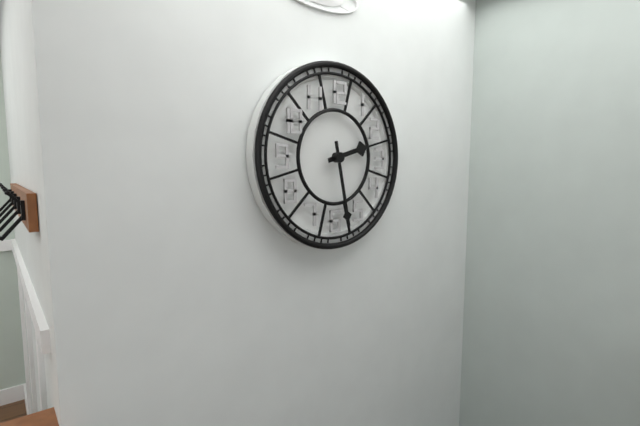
2:28
